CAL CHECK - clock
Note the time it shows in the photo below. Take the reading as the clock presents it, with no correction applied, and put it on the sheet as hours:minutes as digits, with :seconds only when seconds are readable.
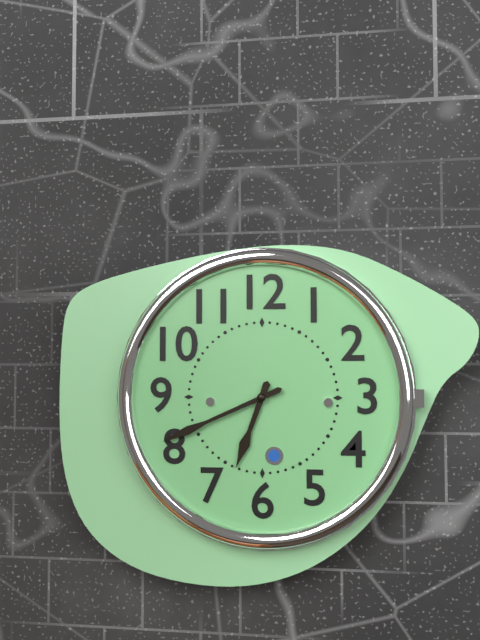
6:41
